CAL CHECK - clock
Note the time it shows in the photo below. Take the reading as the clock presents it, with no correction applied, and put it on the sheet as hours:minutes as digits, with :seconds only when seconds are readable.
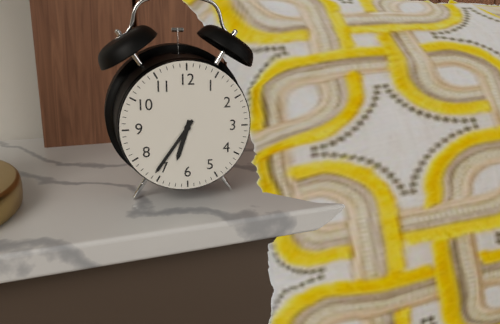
6:36
